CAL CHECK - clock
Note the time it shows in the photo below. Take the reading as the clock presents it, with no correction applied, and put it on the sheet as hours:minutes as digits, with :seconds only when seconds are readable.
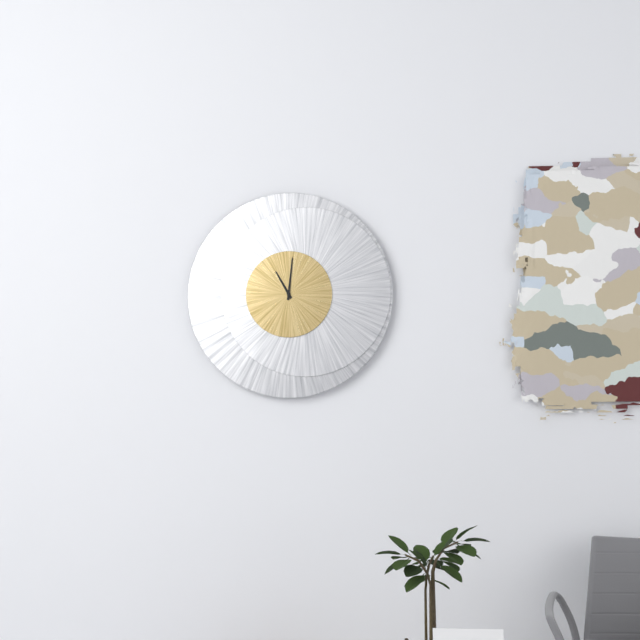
11:01
